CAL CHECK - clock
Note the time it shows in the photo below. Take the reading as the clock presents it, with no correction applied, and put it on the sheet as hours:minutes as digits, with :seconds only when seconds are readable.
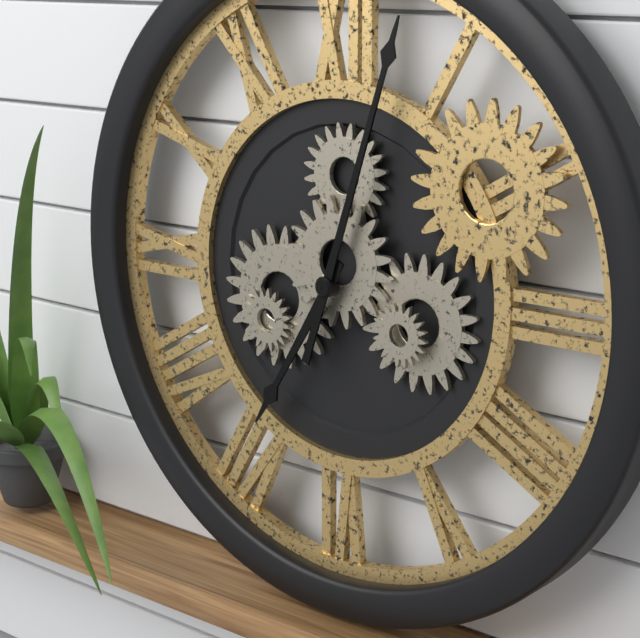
7:03
